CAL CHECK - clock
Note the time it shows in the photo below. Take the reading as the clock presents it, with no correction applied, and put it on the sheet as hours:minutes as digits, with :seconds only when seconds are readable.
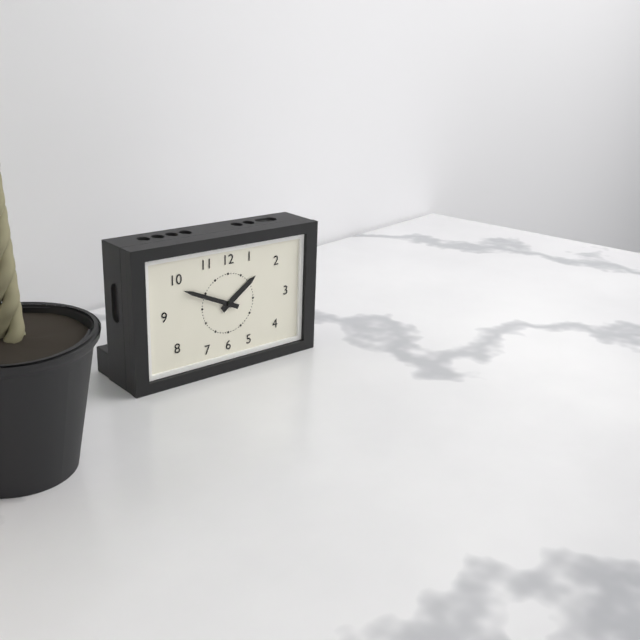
1:49
